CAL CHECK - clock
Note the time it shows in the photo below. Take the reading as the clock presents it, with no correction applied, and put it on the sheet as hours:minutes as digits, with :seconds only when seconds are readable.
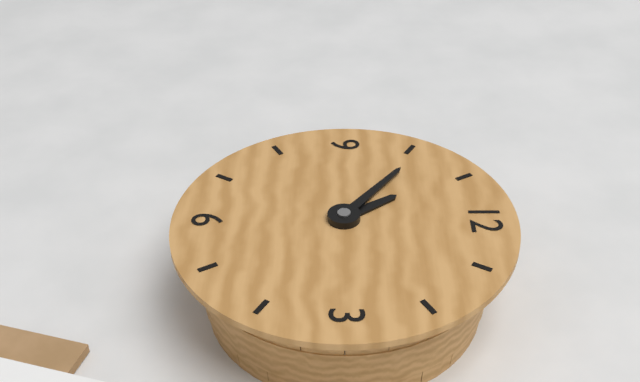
10:51
